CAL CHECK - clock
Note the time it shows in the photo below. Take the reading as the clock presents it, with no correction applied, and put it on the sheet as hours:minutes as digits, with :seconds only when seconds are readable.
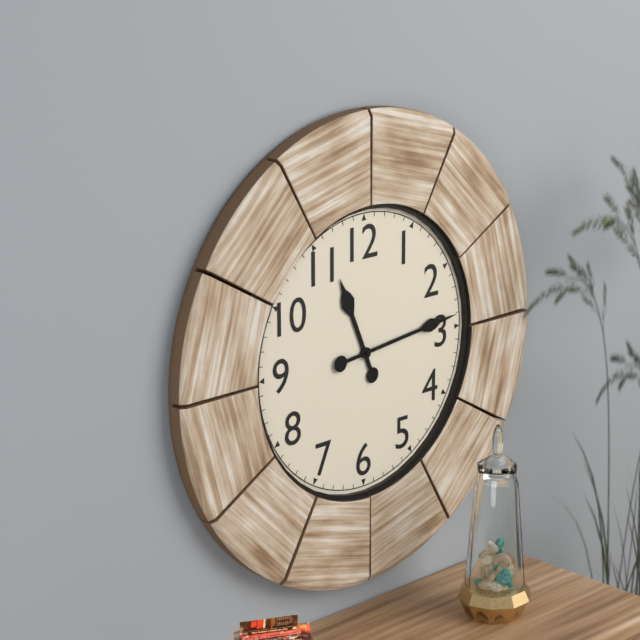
11:14
